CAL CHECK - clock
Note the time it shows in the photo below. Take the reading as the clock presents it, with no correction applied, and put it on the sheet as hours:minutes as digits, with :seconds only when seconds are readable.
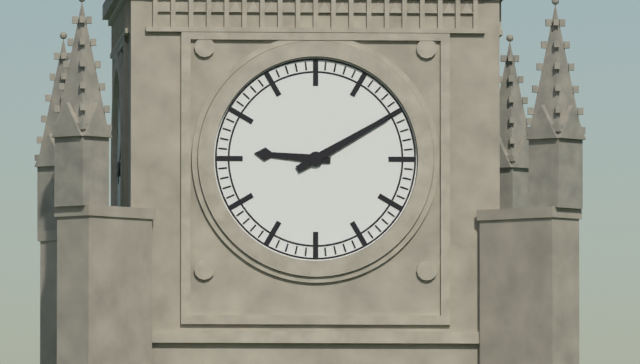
9:10
